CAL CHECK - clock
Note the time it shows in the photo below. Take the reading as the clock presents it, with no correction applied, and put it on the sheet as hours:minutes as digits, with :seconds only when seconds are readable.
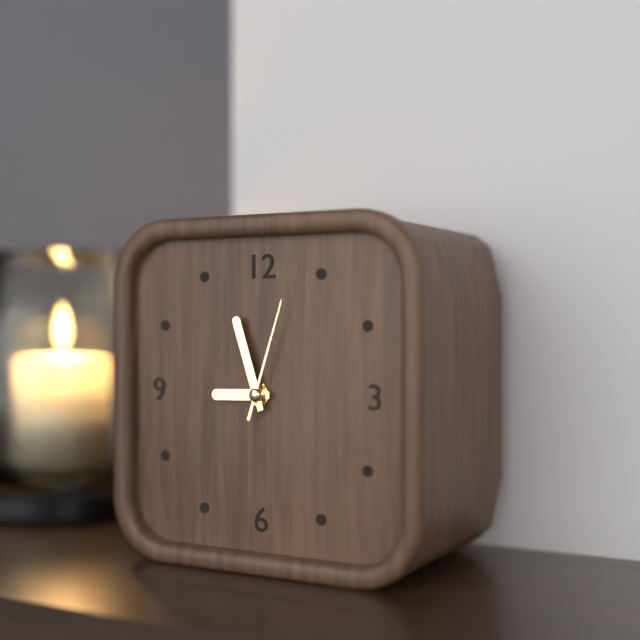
8:57:03
